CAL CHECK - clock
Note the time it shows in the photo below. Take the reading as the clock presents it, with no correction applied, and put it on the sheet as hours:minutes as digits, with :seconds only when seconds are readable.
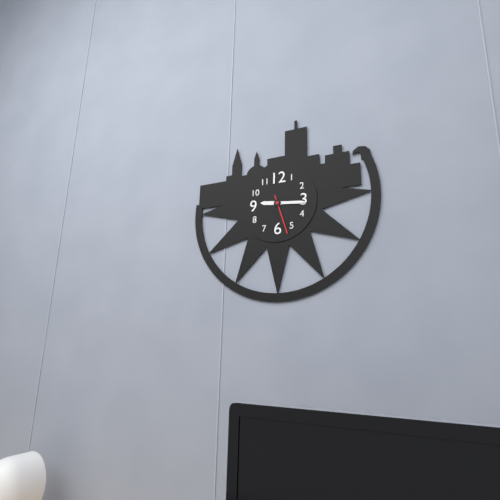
9:16
